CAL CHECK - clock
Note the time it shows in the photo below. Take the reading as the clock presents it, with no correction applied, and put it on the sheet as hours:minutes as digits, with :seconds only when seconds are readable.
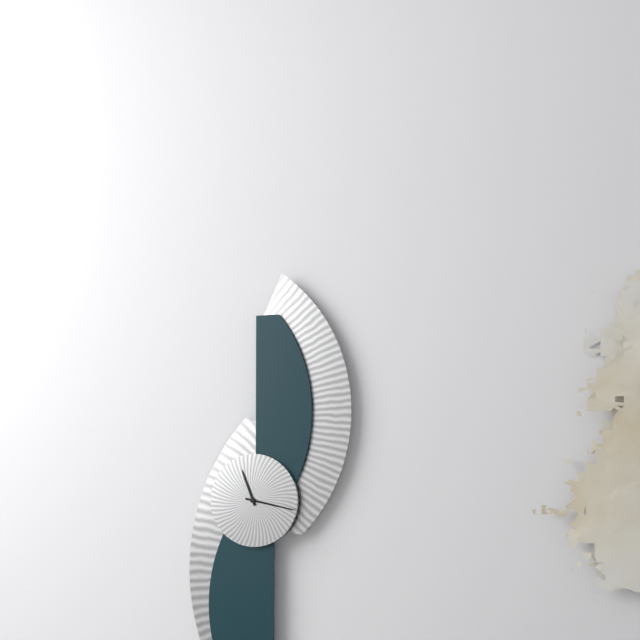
11:17
